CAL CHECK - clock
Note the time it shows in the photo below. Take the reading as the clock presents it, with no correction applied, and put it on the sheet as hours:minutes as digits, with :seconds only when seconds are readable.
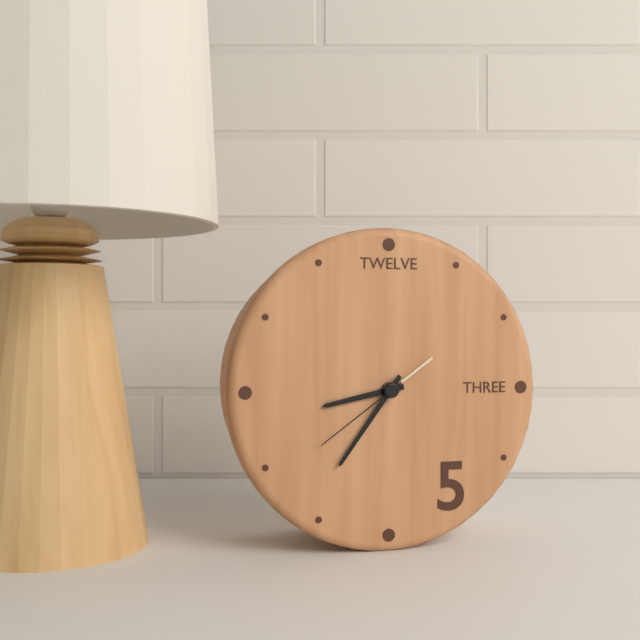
8:36:39
